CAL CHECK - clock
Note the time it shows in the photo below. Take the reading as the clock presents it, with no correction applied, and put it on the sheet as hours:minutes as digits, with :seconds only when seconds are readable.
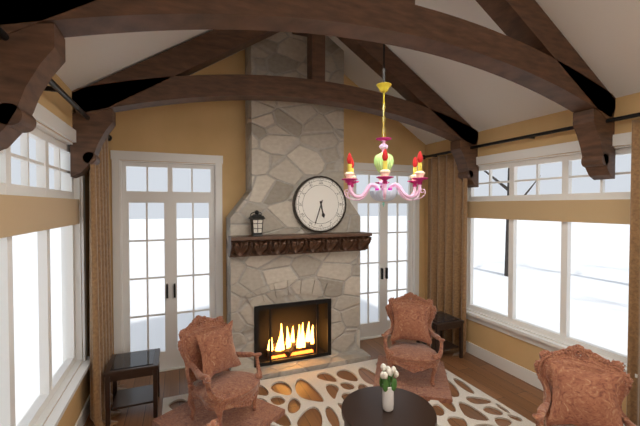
5:33
